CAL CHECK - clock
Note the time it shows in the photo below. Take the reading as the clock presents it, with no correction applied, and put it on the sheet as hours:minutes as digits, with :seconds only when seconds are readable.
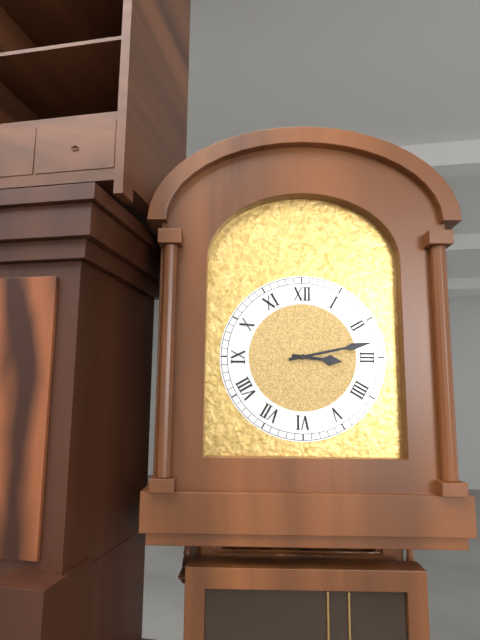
3:13
